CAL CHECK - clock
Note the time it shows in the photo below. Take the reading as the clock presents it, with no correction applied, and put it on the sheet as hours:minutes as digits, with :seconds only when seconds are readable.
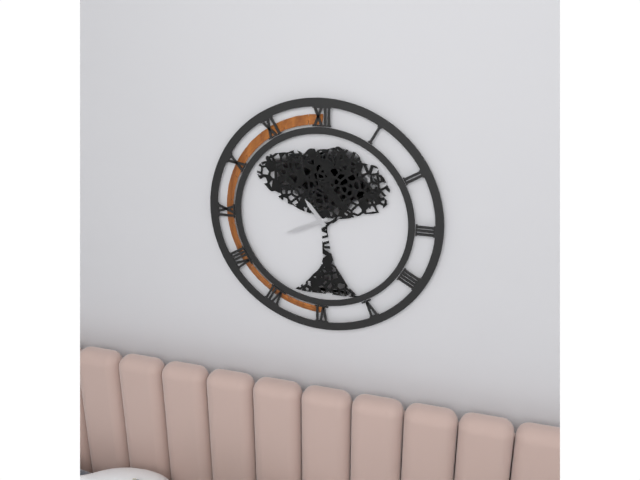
10:41
